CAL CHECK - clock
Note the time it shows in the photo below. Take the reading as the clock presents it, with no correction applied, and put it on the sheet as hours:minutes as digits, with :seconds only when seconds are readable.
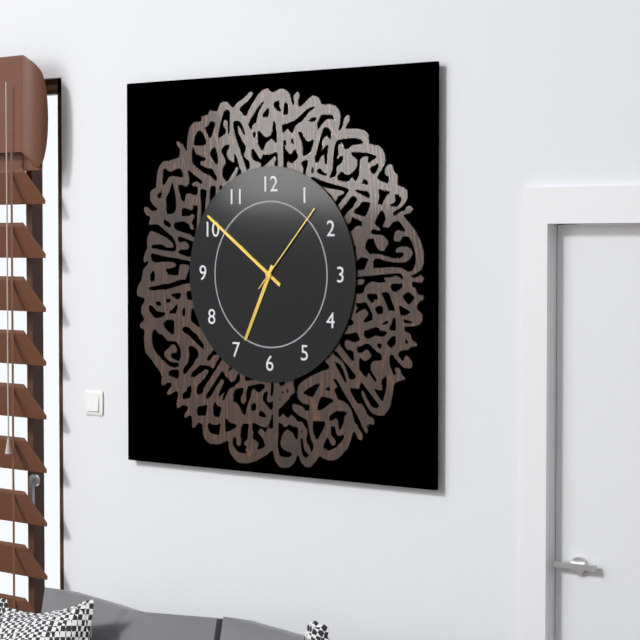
6:51:07
